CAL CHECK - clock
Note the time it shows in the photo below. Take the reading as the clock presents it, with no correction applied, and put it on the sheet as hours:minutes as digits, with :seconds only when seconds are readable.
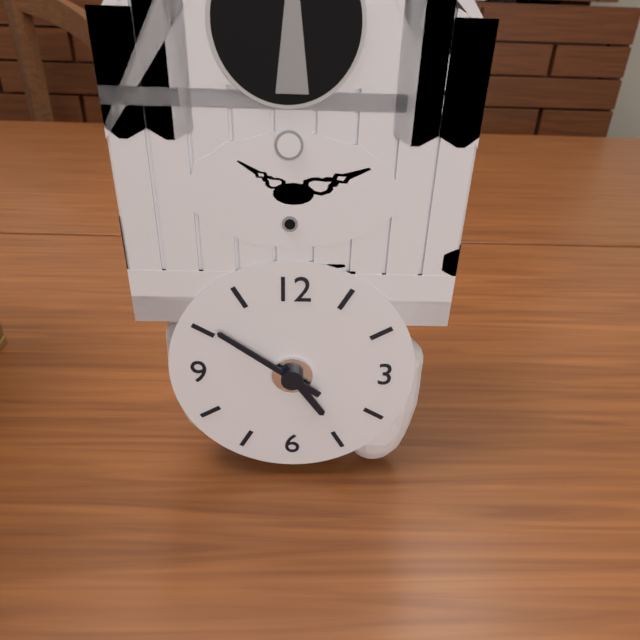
4:51
